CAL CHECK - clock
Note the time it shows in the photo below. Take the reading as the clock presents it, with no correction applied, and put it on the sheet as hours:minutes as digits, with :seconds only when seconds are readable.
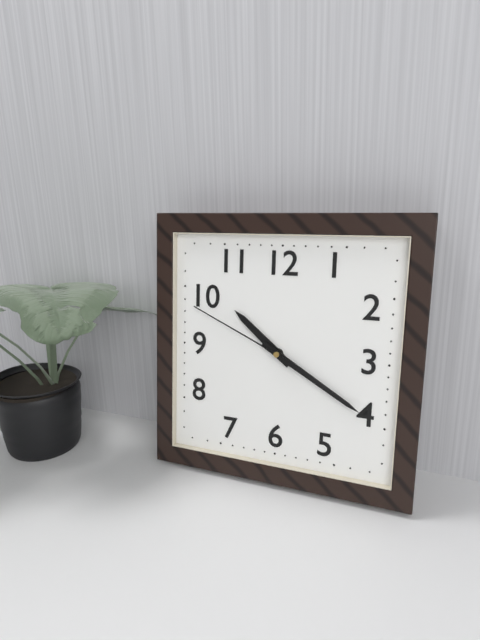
10:20:49
